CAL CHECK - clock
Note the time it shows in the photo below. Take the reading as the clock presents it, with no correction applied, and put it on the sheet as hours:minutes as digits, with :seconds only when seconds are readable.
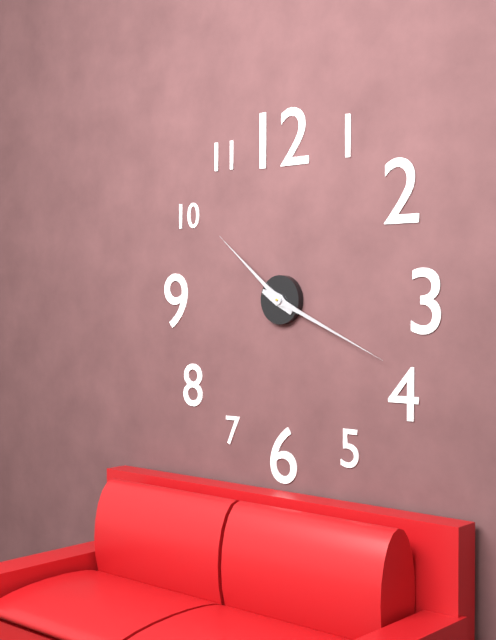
10:19
